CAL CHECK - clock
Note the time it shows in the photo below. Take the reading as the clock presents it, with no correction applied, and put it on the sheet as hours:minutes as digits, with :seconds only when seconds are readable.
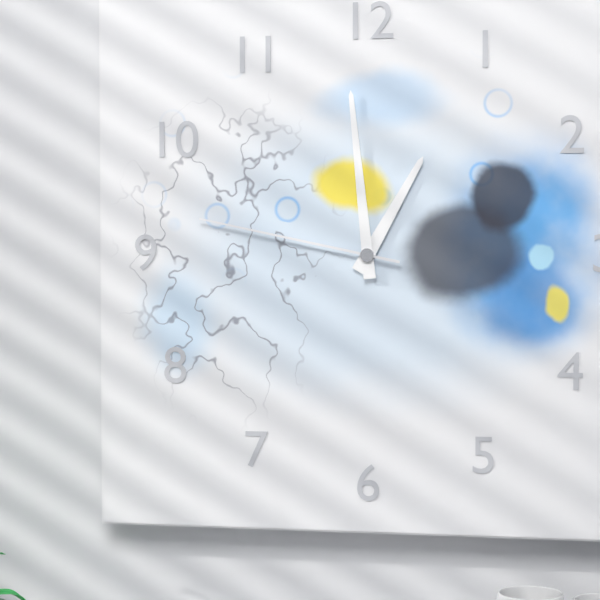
12:59:47
